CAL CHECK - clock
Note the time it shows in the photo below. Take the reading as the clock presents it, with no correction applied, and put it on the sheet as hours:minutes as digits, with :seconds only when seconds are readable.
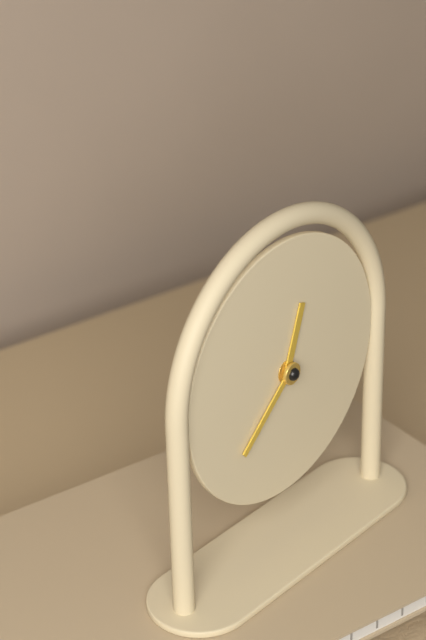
12:38
